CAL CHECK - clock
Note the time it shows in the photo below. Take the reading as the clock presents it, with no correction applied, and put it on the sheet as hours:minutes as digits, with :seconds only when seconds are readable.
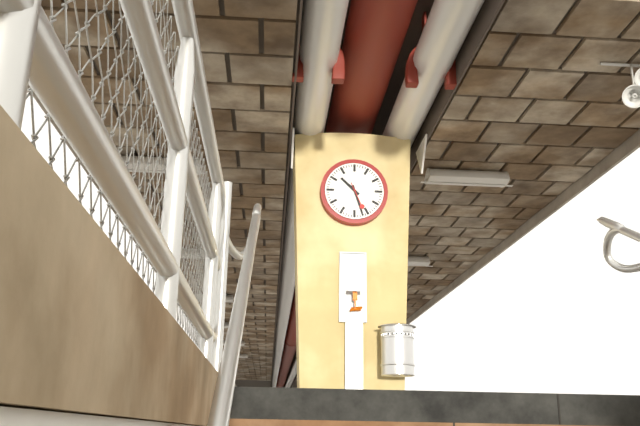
10:27
